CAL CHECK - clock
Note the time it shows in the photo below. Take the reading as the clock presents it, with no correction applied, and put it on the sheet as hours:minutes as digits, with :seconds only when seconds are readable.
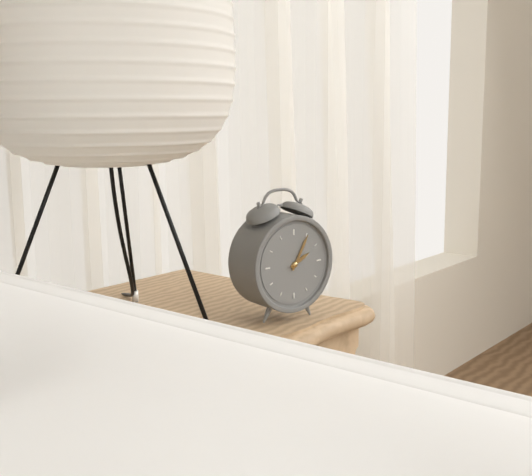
2:05
